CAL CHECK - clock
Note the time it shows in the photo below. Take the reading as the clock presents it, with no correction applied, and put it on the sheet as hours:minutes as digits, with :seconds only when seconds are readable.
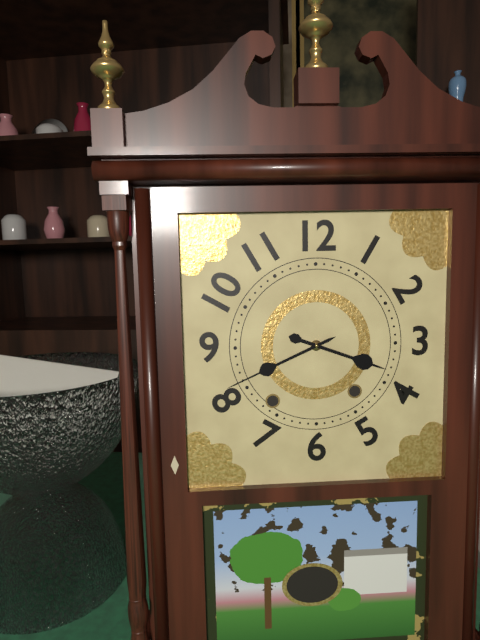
3:41
